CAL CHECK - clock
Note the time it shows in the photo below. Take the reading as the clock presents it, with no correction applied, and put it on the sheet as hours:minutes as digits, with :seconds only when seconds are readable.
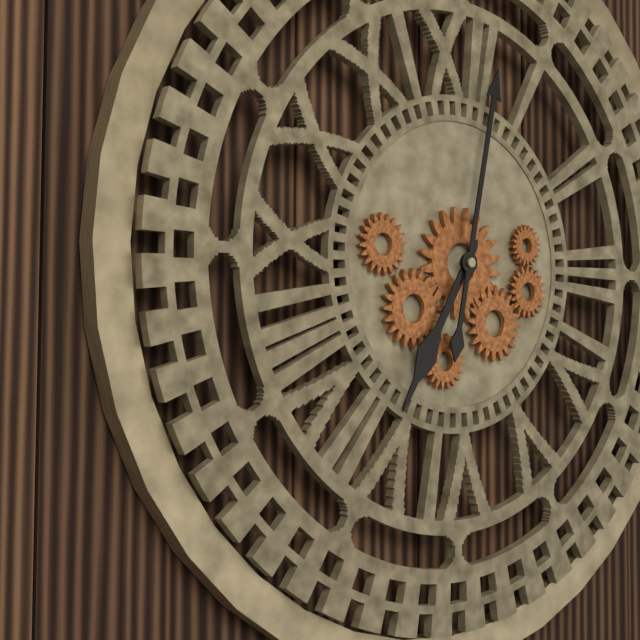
7:02
